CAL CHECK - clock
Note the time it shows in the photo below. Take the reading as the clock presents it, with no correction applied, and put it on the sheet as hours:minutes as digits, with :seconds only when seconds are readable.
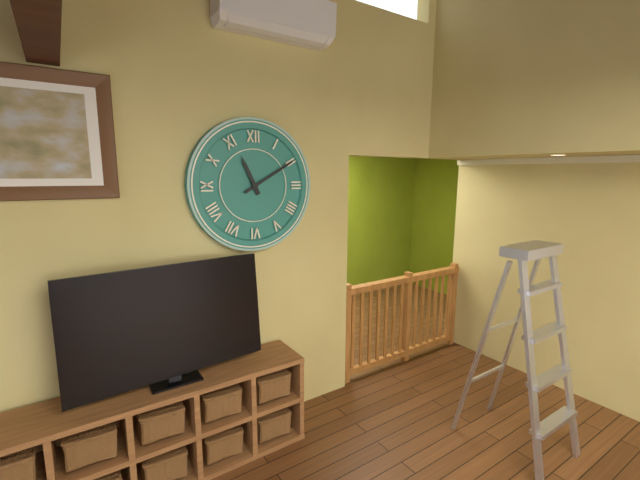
11:10
